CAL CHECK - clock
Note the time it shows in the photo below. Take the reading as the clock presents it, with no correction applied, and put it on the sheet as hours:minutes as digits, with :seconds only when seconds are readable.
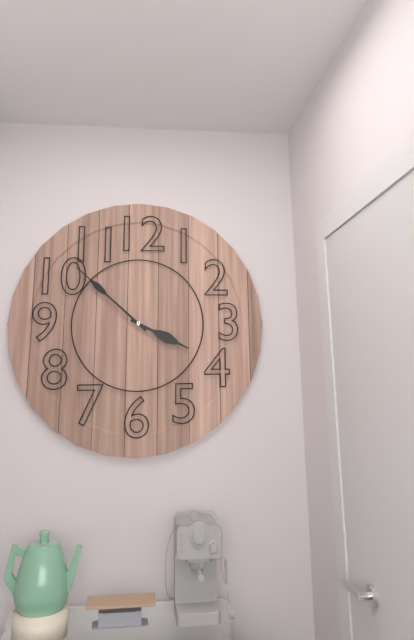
3:52
